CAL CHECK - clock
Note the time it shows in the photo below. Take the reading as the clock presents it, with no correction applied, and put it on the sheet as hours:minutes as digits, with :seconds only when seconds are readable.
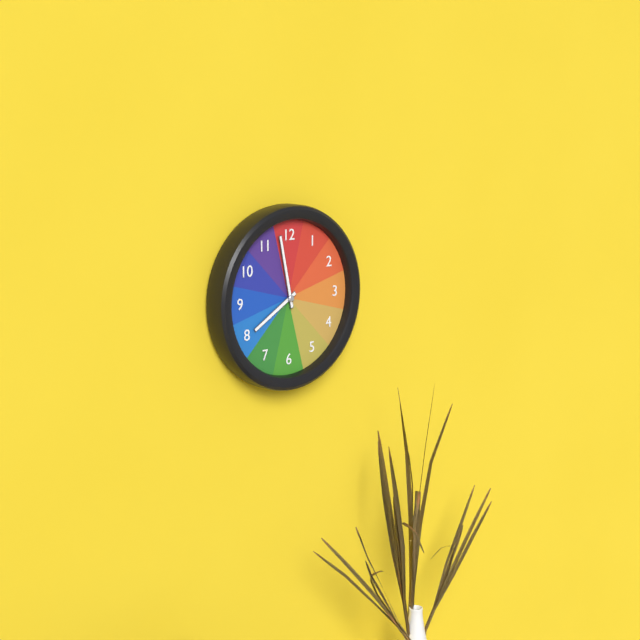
7:58
